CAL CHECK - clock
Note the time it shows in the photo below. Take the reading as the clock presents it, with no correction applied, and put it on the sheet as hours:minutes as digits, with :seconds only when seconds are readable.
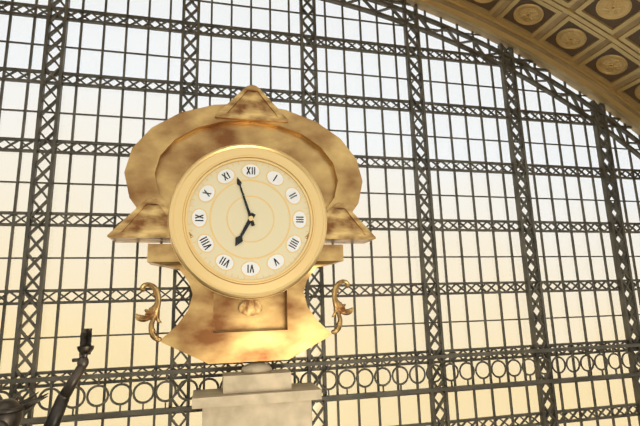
6:57
